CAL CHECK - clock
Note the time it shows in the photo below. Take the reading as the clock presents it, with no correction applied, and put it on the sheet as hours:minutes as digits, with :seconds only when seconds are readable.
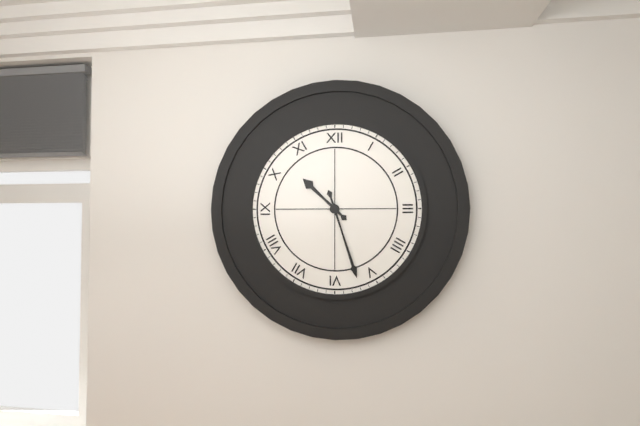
10:27
